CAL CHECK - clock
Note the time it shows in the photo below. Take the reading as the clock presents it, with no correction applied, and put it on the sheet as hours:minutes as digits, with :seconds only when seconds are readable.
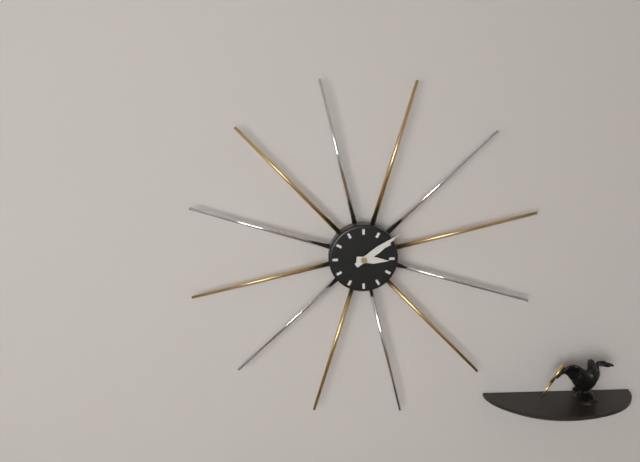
3:09
